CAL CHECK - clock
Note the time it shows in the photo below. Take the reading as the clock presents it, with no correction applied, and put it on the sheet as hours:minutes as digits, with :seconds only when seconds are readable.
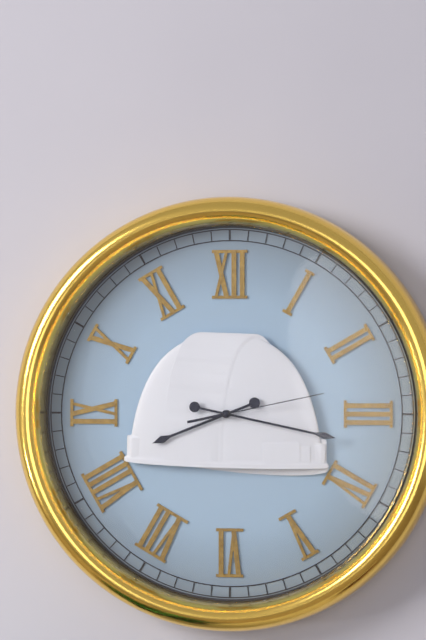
8:17:13
